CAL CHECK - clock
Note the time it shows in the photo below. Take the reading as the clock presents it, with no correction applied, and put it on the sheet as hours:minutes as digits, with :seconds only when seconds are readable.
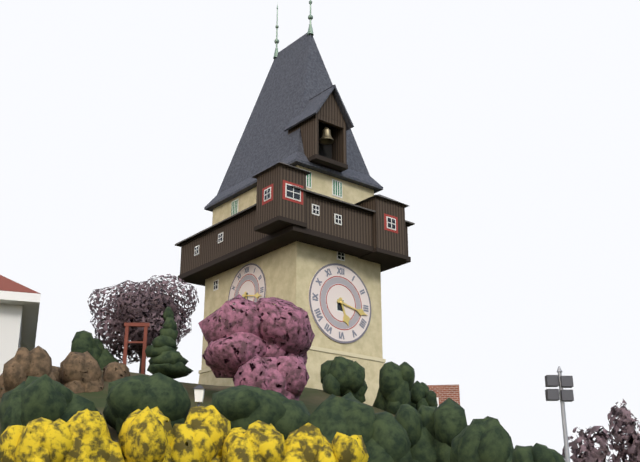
5:17
